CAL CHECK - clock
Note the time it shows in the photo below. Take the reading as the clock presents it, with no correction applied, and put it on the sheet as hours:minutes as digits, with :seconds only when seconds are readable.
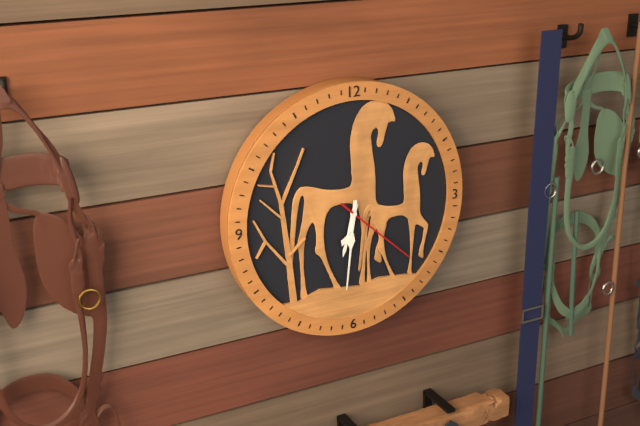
6:31:22
